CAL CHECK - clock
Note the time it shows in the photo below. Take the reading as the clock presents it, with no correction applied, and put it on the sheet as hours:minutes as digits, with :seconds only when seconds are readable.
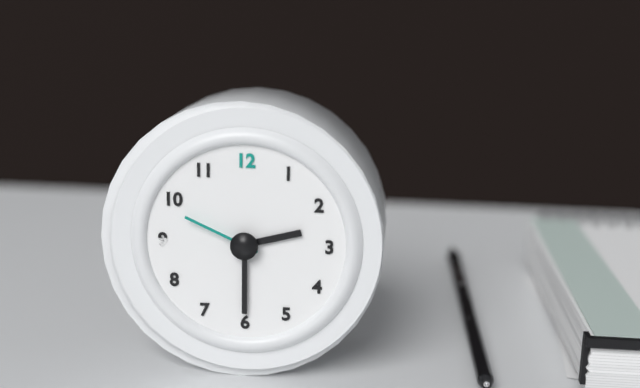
2:30:49
